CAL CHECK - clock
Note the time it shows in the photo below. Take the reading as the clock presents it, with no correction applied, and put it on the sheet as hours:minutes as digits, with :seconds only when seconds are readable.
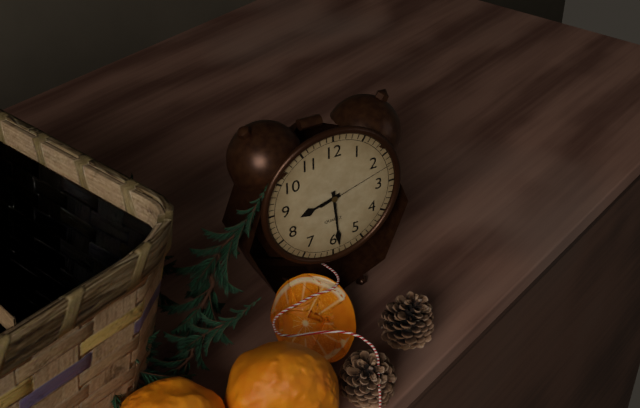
8:29:12
